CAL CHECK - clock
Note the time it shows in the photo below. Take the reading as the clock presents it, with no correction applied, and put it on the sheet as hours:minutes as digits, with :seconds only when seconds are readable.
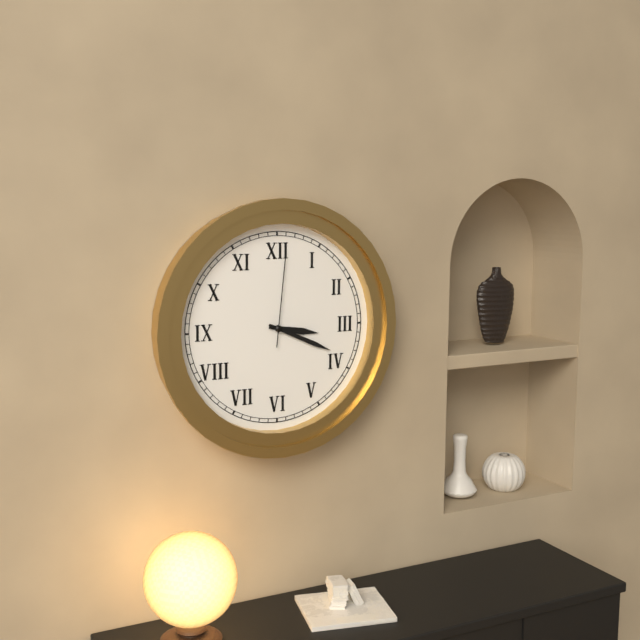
3:19:01
